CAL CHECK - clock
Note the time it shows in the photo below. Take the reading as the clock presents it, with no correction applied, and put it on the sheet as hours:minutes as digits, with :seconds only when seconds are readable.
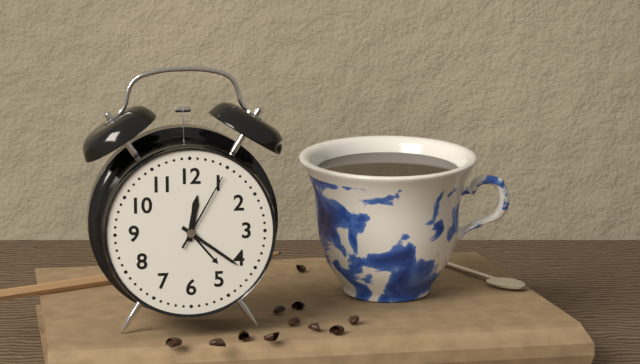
12:21:05
